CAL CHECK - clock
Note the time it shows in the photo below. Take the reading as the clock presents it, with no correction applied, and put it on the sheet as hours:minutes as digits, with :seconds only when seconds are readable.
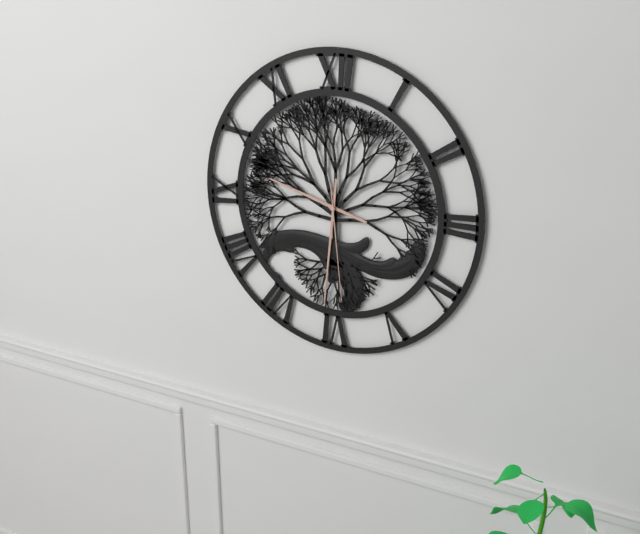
9:31:29
